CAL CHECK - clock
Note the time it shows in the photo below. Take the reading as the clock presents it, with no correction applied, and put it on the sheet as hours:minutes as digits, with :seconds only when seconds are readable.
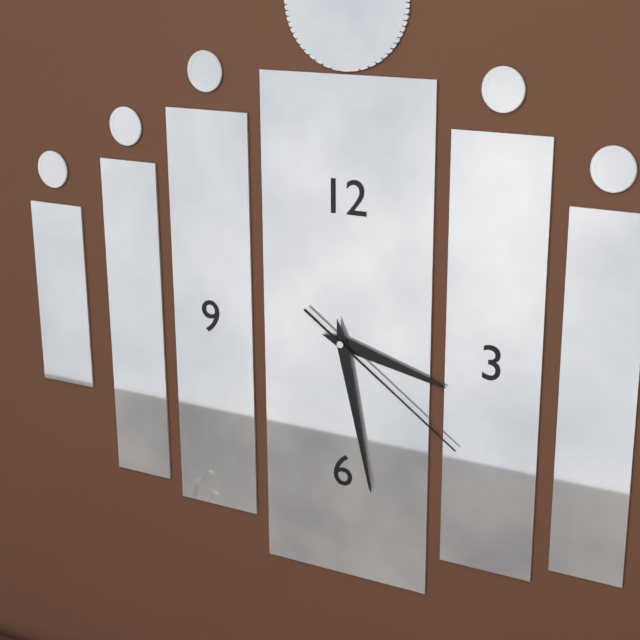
3:28:21
